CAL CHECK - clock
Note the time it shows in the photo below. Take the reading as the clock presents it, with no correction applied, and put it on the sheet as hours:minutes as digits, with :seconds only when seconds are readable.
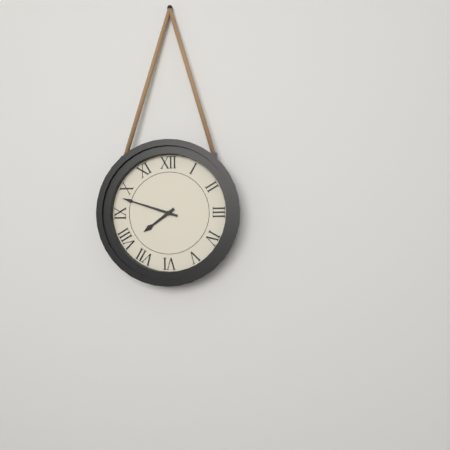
7:48
